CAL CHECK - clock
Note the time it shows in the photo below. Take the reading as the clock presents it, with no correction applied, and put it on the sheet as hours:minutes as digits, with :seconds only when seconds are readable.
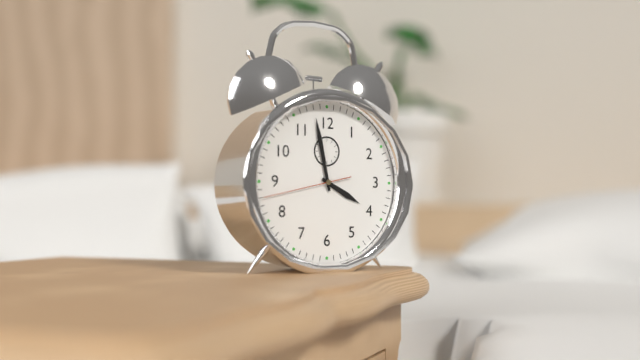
3:58:43
